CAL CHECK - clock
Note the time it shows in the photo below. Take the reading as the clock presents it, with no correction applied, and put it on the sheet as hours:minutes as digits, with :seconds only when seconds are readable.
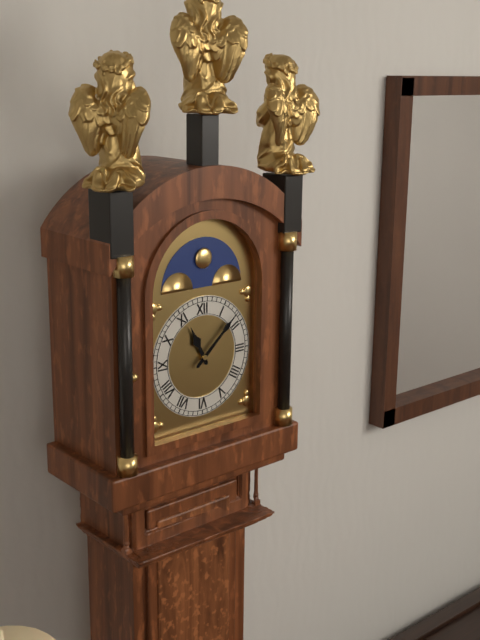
11:08
